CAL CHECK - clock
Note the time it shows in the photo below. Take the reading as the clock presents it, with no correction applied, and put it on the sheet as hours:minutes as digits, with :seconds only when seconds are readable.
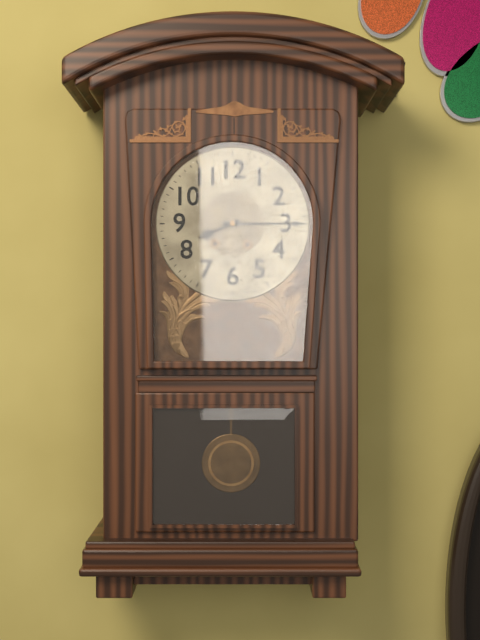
8:15
